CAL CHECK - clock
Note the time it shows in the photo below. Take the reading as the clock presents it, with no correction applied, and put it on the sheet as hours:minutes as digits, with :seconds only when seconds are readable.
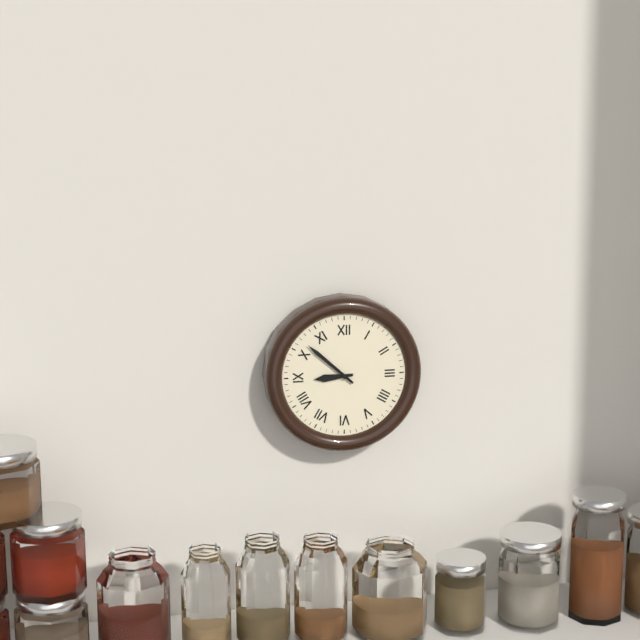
8:52
